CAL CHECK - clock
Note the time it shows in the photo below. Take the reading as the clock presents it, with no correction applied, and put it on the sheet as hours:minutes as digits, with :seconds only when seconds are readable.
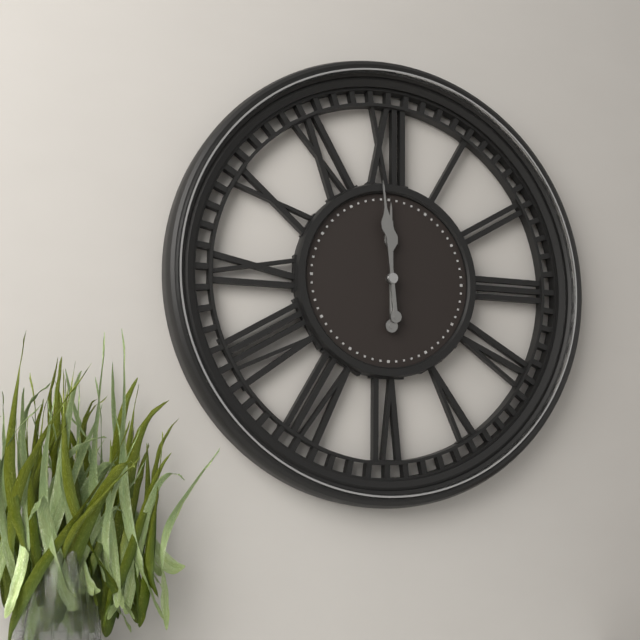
11:59
